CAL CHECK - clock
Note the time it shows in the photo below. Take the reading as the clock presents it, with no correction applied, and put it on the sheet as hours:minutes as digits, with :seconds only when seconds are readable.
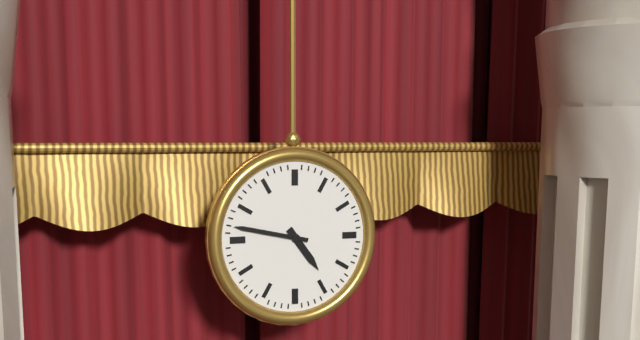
4:47
